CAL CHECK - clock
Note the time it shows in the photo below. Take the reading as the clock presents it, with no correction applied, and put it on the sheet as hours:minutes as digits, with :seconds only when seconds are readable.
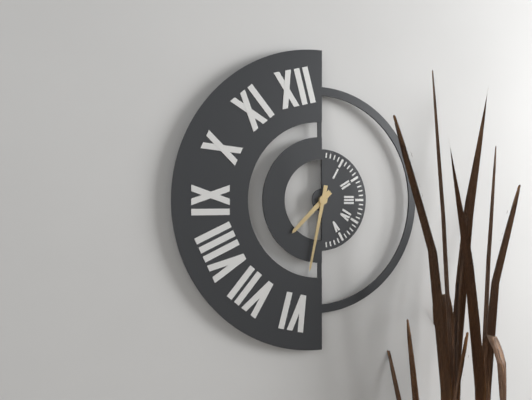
7:32
